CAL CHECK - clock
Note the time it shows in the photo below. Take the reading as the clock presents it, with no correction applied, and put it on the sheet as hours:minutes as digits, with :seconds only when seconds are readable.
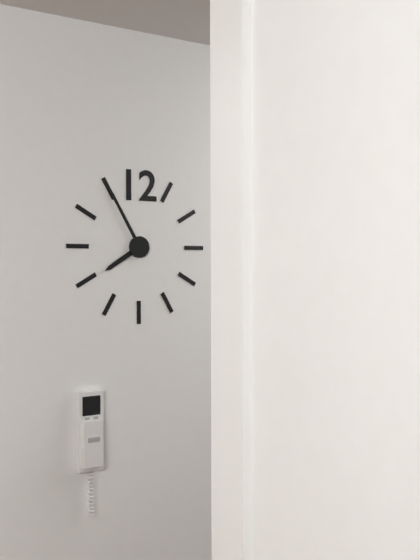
7:55
